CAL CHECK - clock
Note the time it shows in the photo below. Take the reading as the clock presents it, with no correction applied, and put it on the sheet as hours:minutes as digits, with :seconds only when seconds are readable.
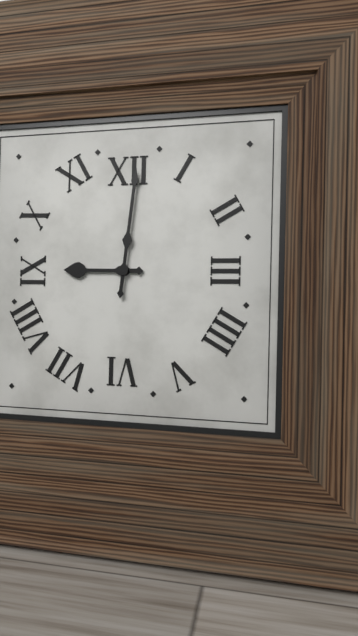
9:01
